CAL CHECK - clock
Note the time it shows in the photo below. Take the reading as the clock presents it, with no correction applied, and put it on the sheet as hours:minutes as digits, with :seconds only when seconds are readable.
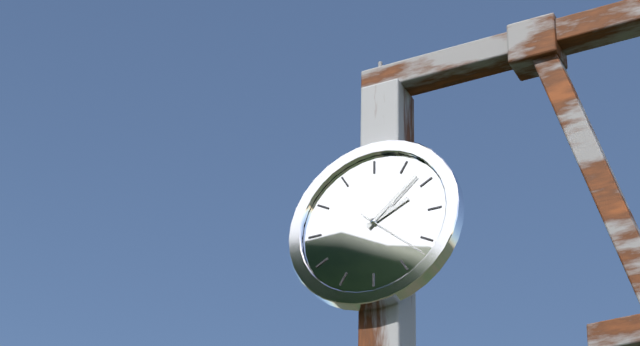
2:08:22
